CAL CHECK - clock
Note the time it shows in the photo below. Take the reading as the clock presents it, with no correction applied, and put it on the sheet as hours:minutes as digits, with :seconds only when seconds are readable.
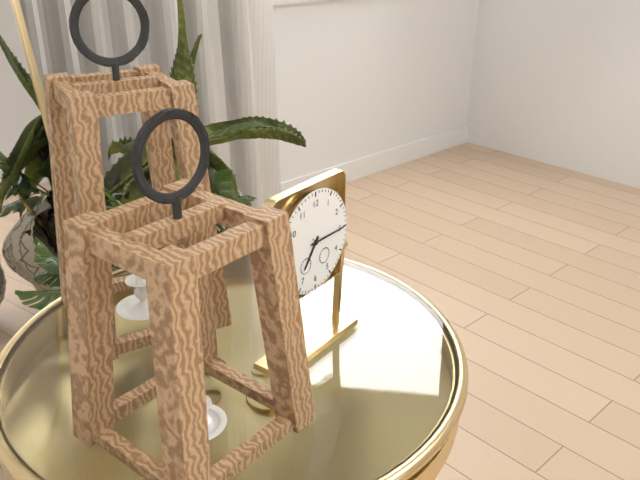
7:15
